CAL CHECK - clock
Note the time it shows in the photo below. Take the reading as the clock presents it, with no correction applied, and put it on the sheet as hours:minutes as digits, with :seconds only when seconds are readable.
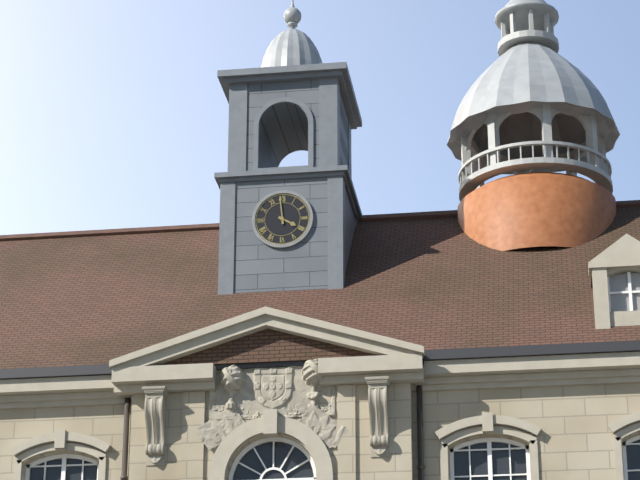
3:59
